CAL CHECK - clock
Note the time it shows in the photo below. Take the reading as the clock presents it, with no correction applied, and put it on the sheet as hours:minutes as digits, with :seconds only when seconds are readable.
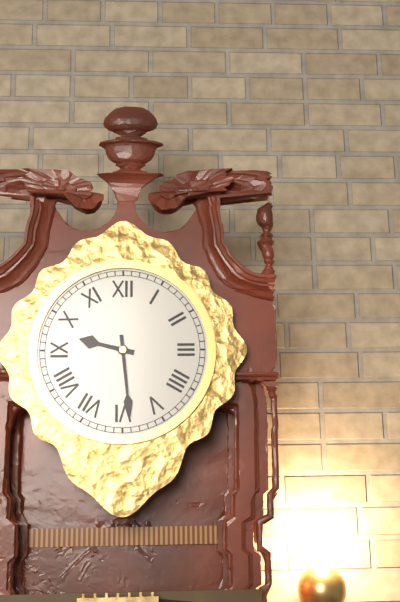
9:29
